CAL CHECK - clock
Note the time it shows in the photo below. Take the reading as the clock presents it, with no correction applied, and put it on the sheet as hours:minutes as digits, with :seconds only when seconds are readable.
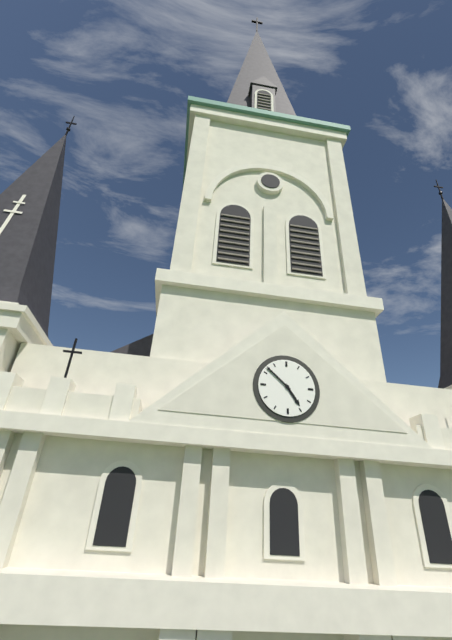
4:52
